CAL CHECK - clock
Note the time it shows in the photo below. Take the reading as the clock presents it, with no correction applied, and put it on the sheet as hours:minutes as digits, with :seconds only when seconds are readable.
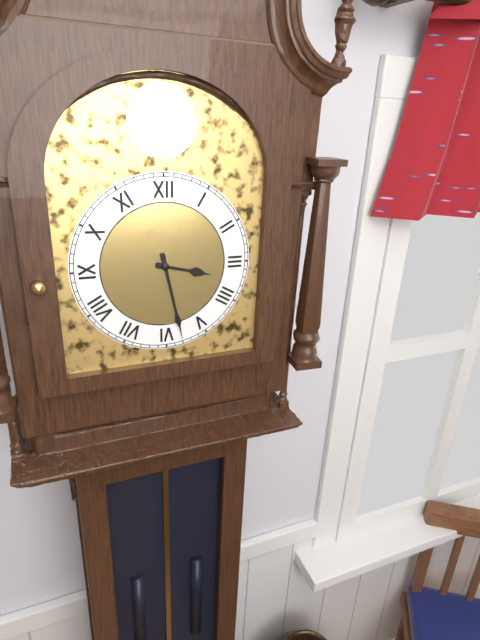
3:28
